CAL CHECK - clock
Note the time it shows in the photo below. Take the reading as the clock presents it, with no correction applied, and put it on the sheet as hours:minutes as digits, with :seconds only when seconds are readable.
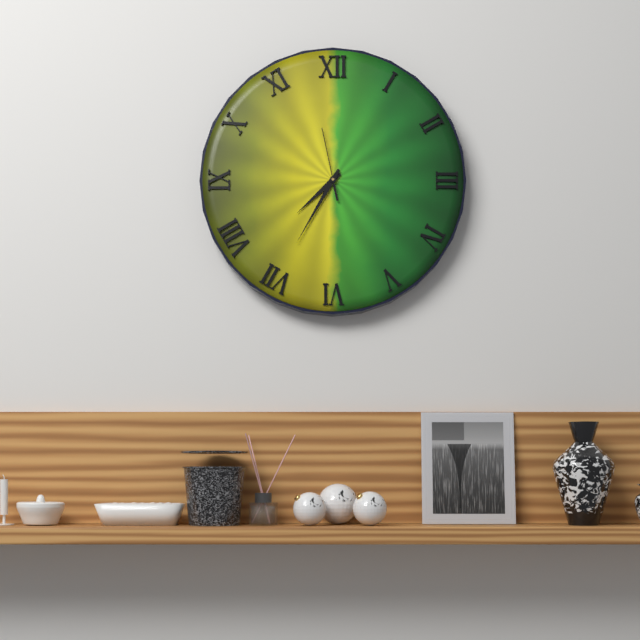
7:35:58
